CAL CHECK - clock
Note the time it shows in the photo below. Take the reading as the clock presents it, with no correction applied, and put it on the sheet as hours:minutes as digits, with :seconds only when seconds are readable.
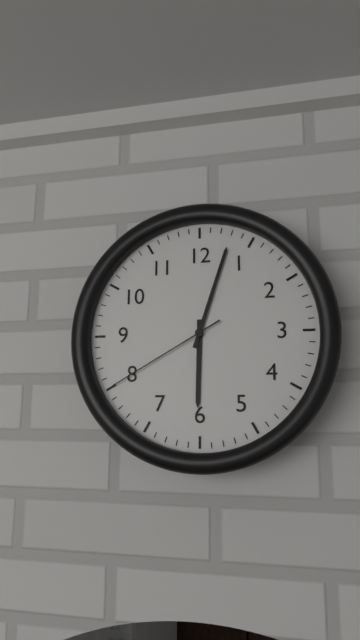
6:03:40
